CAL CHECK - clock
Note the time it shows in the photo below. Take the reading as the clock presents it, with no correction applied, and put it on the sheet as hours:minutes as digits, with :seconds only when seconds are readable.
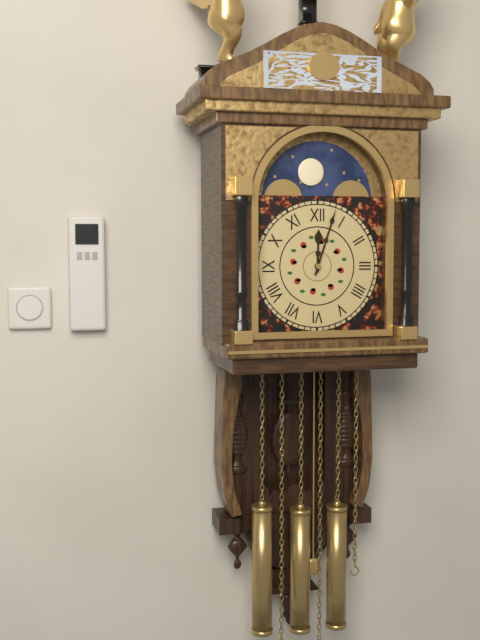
12:03
